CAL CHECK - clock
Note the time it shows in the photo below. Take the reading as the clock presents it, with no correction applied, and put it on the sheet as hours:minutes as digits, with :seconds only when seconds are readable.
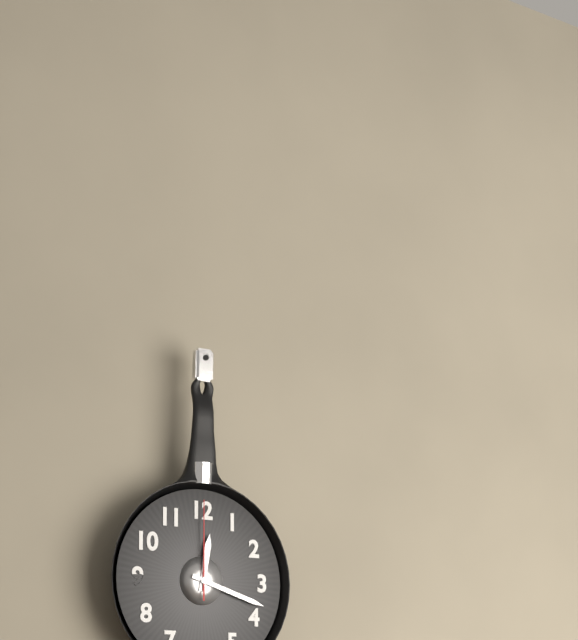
12:18:00
